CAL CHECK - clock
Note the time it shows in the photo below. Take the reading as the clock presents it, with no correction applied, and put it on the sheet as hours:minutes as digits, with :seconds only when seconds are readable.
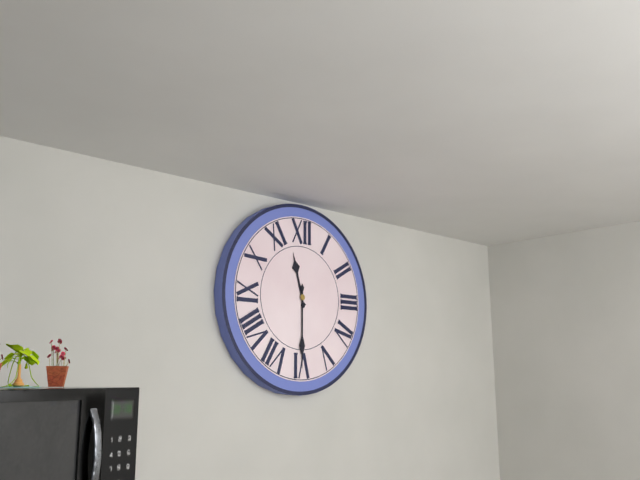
11:30
